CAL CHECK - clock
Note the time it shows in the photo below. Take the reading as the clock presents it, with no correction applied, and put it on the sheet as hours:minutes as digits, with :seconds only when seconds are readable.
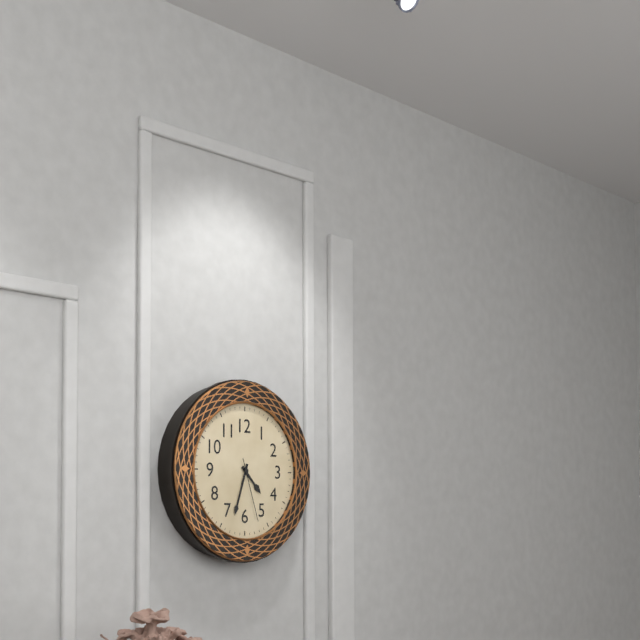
4:33:27
